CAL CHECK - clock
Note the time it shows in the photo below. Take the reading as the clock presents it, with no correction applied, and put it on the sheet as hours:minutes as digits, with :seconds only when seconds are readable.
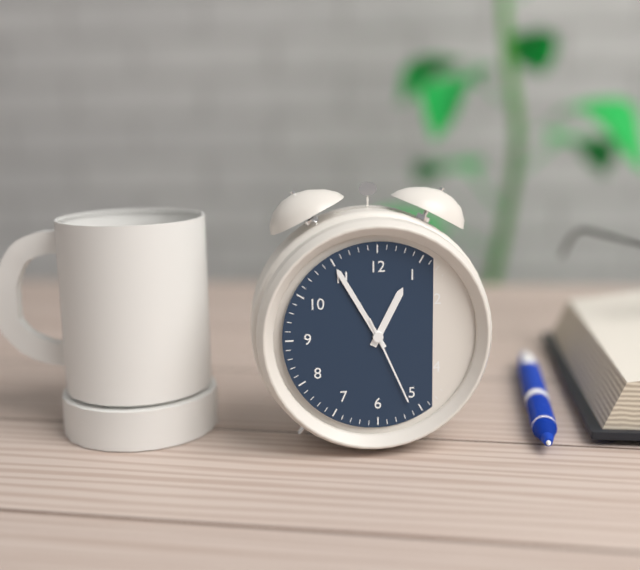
12:55:26
